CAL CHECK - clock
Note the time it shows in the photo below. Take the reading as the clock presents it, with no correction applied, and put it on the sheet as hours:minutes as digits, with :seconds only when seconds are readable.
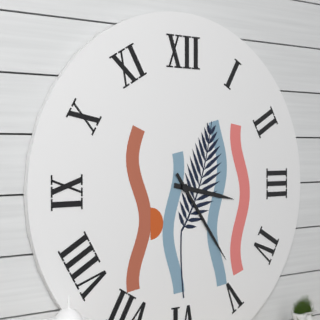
3:24
